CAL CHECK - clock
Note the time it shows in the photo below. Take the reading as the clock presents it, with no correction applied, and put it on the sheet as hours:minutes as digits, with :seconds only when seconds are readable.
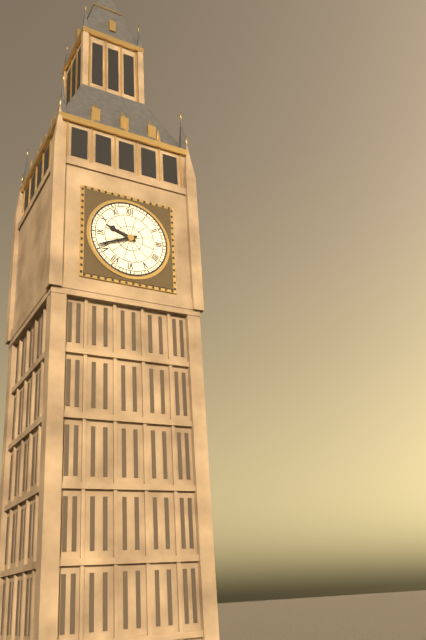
9:41
